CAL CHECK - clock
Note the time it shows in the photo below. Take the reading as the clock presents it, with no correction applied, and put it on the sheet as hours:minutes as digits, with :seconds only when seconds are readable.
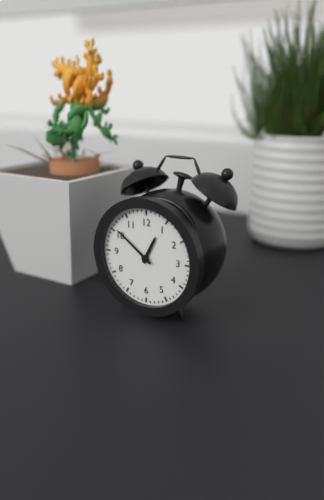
12:51
